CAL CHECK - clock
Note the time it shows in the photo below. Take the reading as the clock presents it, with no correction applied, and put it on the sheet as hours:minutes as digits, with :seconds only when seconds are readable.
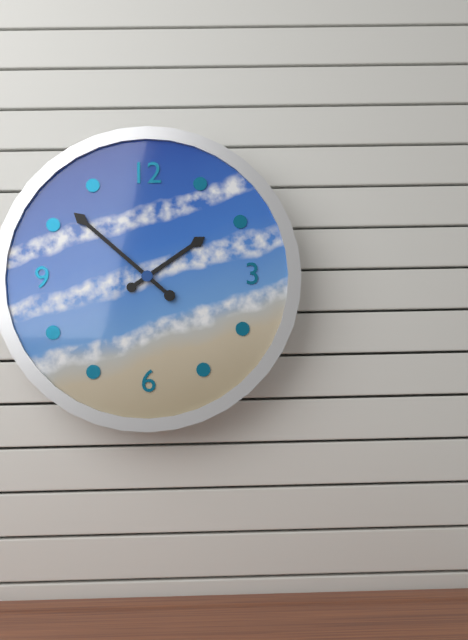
1:52
